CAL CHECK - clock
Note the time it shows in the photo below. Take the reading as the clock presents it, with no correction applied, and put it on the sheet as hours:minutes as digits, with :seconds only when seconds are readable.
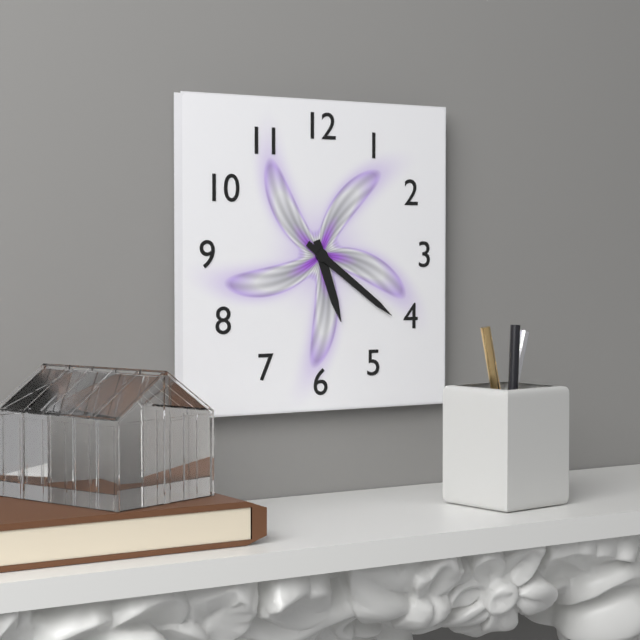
5:21
